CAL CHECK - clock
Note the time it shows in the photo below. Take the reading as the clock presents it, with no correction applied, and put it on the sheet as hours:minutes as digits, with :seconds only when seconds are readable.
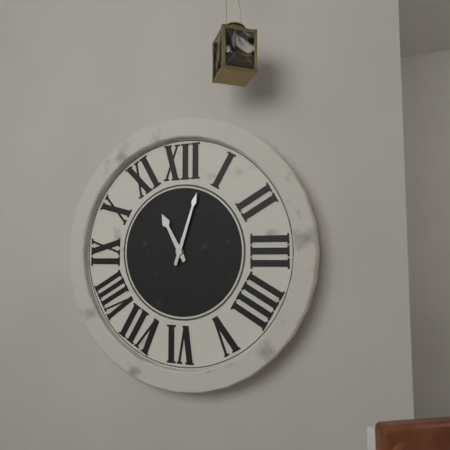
11:03
